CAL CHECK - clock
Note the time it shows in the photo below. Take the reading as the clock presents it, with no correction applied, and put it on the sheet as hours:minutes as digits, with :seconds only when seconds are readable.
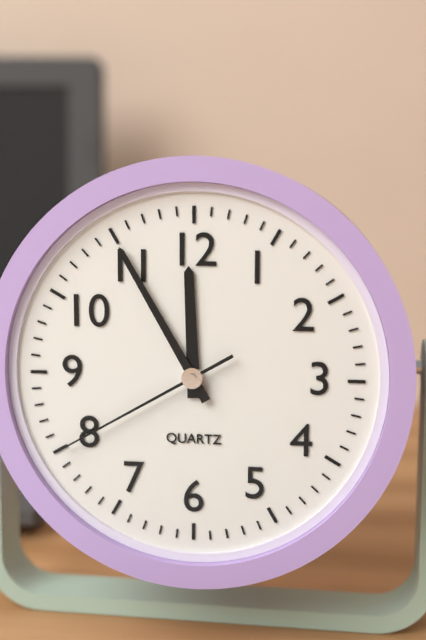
11:55:40
